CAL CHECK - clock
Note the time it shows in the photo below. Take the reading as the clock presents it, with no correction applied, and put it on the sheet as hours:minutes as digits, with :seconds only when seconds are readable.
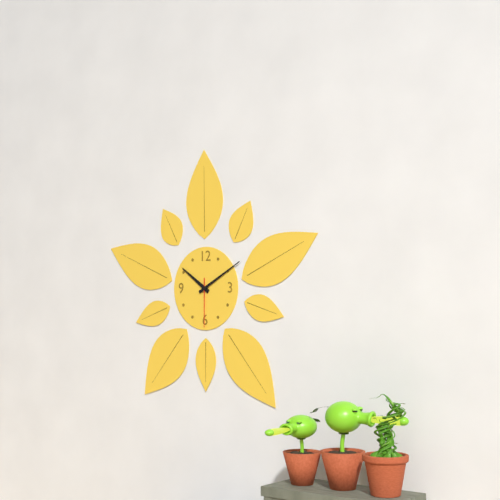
10:10
